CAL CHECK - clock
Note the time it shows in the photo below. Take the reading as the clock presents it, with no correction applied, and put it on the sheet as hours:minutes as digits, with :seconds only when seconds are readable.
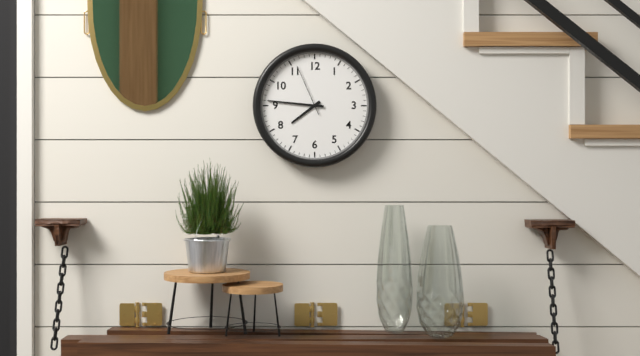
7:46:56
